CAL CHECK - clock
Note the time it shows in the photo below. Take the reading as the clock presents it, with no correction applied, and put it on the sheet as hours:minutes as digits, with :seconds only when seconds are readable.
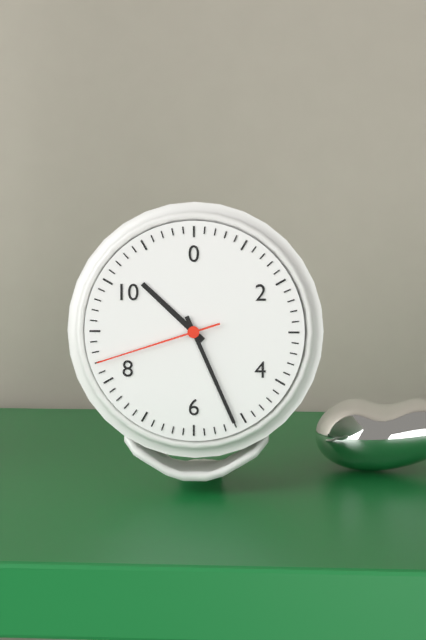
10:26:42
